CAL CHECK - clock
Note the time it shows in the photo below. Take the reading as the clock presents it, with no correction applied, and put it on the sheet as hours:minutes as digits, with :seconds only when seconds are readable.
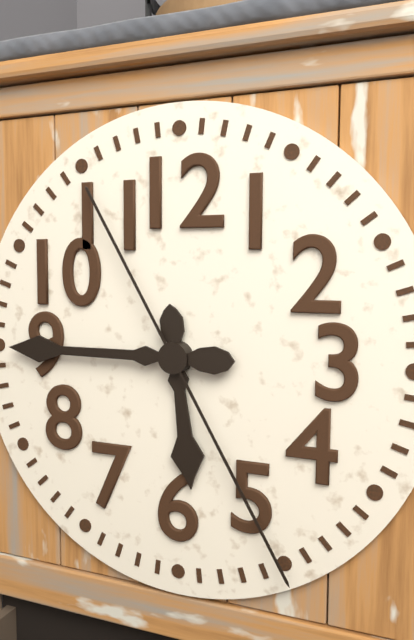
5:45:25
